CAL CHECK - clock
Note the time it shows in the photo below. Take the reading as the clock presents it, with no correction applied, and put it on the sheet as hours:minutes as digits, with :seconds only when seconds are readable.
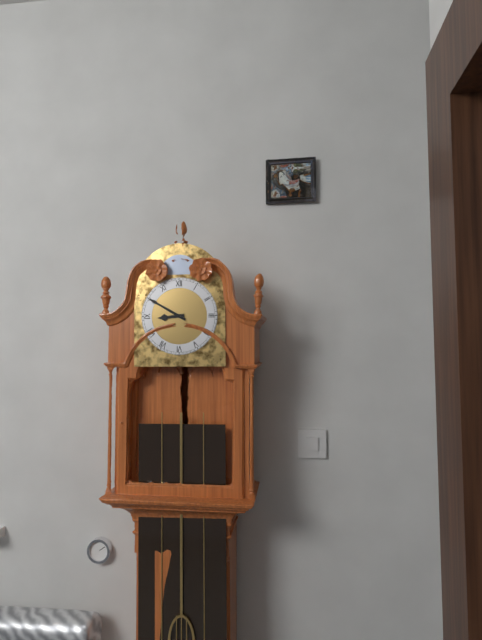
8:50
